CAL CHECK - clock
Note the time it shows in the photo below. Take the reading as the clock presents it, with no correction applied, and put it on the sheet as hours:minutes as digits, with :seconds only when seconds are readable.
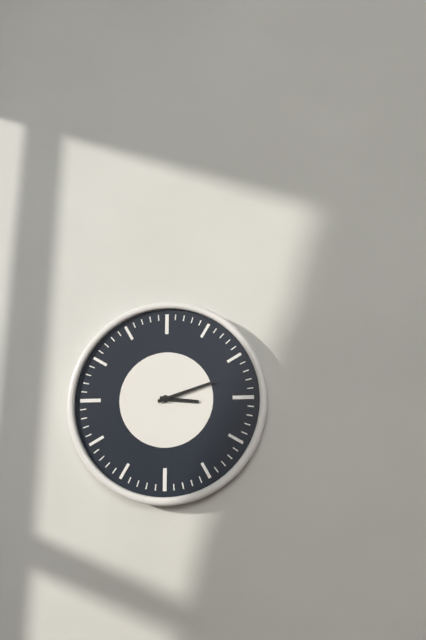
3:12
